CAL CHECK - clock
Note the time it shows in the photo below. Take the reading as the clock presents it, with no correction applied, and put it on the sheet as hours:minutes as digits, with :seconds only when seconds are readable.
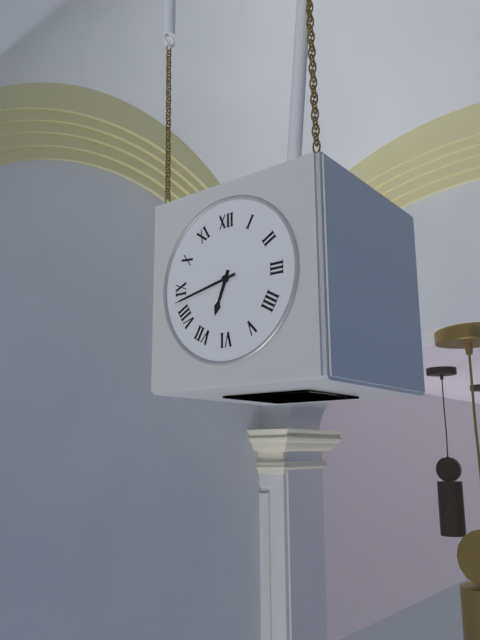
6:43
